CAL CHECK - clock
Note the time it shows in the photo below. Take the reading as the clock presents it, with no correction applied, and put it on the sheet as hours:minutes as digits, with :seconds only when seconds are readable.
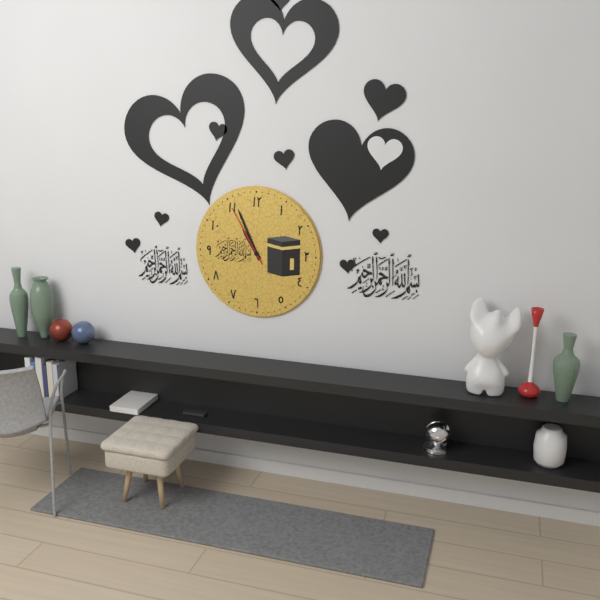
10:56:55
